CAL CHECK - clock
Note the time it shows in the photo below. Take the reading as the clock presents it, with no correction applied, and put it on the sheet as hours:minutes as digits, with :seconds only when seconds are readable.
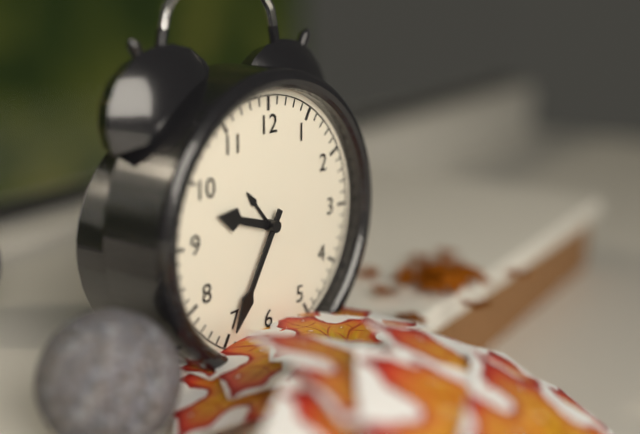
9:35
